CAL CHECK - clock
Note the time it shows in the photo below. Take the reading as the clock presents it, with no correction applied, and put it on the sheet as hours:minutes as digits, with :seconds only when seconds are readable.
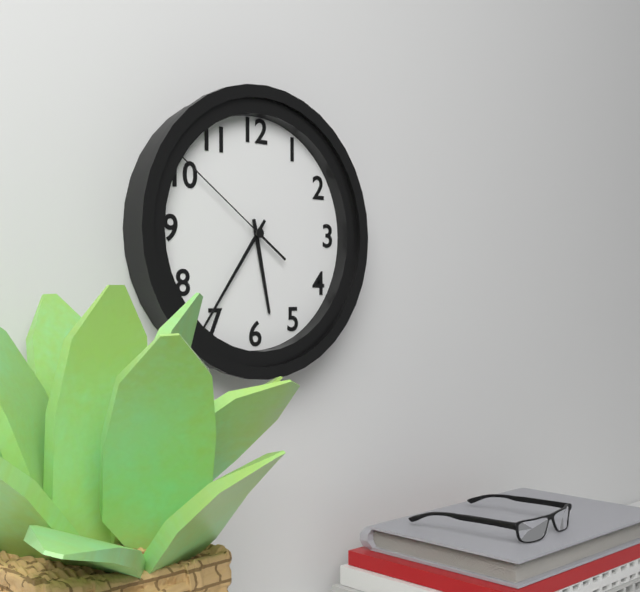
5:36:51
